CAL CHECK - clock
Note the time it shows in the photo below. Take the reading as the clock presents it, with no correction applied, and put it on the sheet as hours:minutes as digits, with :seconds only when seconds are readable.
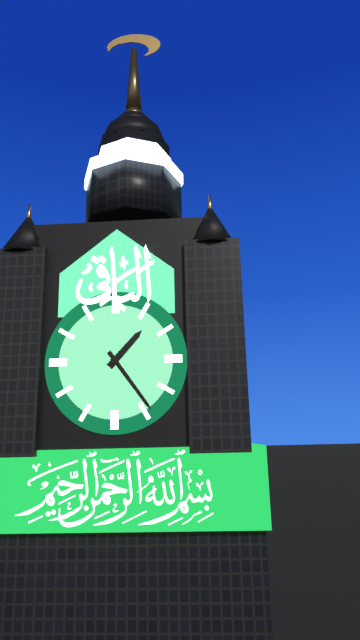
1:24
